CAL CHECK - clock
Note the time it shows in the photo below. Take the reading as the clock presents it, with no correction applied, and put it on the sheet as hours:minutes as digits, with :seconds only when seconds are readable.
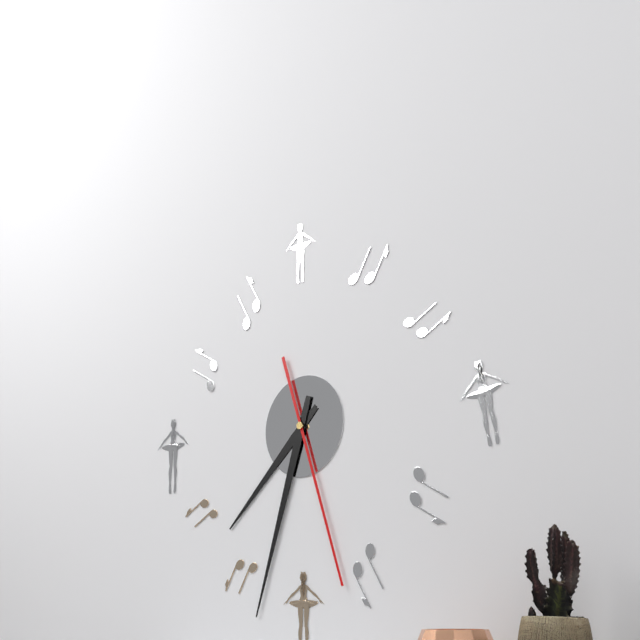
7:33:27
